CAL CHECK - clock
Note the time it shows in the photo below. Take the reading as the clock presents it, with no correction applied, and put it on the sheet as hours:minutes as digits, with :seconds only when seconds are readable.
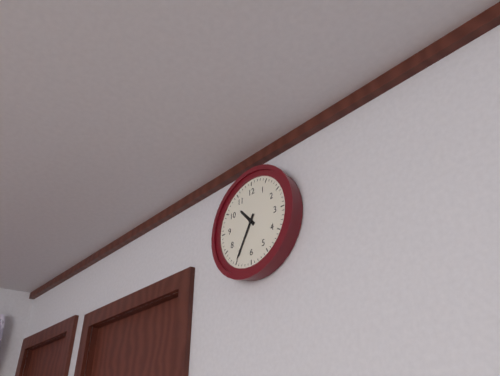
10:35
